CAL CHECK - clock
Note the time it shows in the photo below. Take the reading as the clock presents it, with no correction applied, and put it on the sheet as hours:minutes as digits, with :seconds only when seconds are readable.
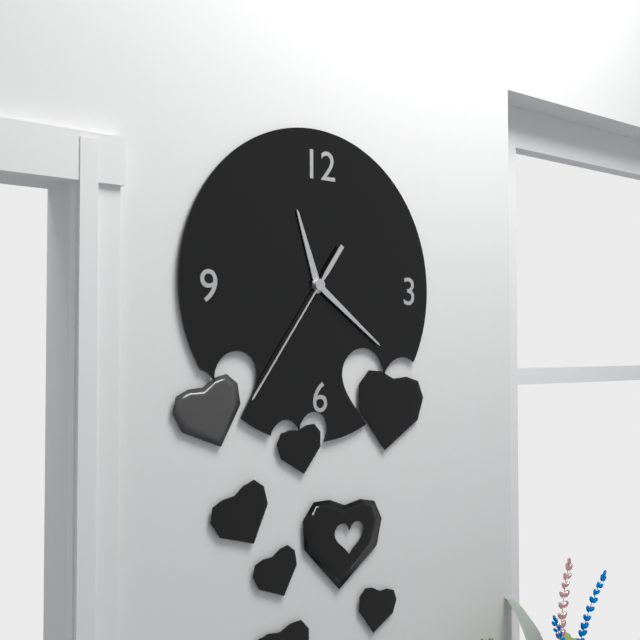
11:21:36
